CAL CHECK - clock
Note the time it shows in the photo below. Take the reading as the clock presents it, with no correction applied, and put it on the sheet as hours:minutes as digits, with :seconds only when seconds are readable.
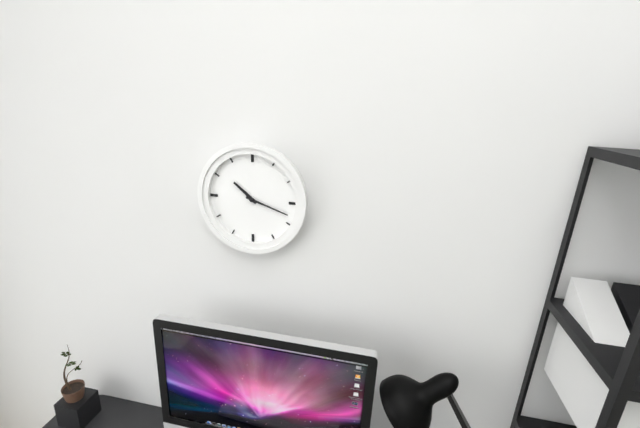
10:18
